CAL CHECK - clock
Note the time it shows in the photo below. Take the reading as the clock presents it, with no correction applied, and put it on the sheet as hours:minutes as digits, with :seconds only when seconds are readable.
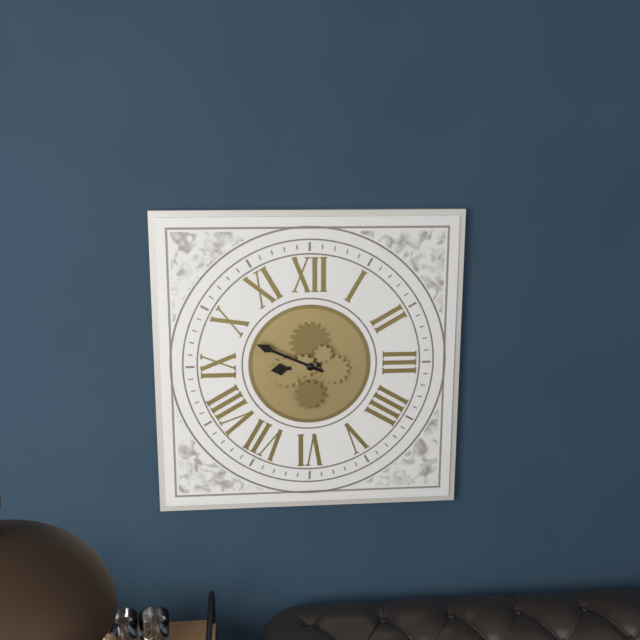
8:49
